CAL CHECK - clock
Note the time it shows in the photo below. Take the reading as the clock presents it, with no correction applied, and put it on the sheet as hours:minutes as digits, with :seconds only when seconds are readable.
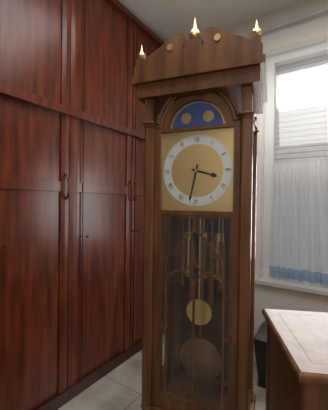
3:32
